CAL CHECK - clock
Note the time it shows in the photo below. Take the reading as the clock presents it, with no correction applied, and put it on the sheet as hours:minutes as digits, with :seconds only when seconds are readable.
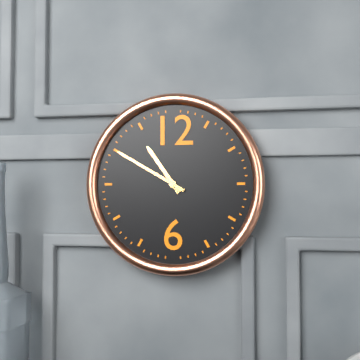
10:50
